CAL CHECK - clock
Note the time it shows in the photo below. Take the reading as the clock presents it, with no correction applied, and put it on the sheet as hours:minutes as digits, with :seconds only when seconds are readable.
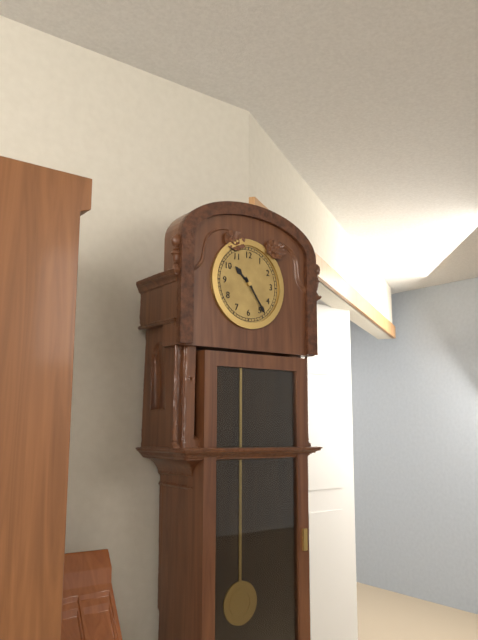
10:24
